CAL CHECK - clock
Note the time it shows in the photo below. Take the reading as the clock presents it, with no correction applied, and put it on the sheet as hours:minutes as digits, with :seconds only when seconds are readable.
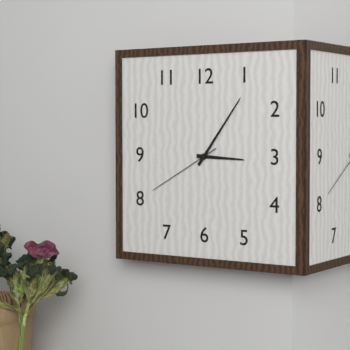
3:06:40
